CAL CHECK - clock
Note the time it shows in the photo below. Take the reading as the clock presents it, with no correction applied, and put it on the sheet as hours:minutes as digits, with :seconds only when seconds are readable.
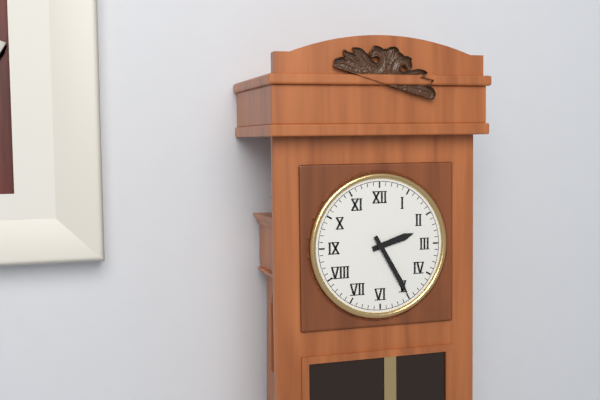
2:25
